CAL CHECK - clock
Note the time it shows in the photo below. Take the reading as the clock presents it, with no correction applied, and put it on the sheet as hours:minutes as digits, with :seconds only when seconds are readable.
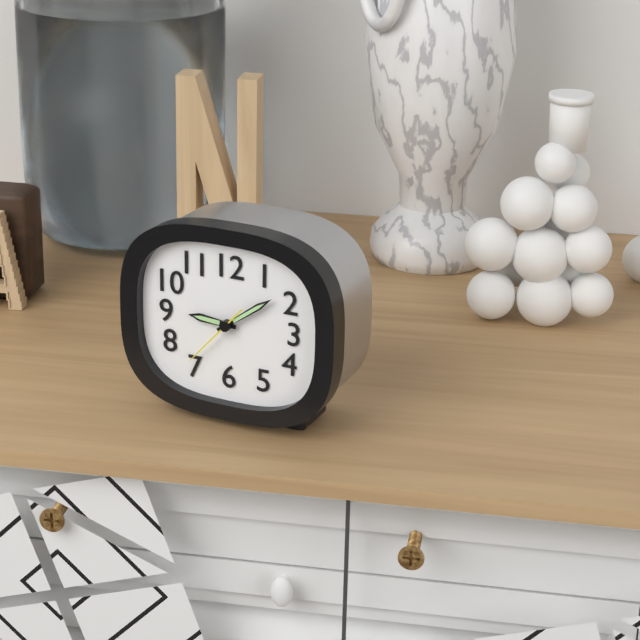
9:09:37
